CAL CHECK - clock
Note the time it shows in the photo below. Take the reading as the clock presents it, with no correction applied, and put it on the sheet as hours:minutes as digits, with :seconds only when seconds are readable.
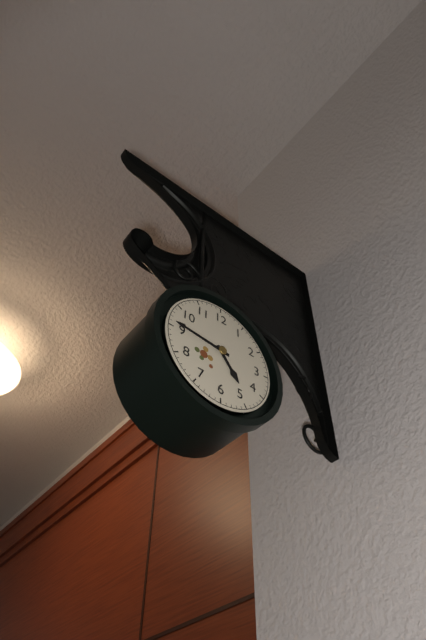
4:46
